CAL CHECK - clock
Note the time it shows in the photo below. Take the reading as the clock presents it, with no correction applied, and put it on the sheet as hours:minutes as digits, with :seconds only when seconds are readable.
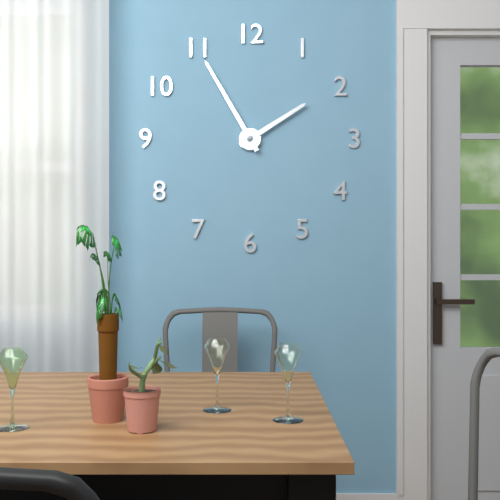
1:55
